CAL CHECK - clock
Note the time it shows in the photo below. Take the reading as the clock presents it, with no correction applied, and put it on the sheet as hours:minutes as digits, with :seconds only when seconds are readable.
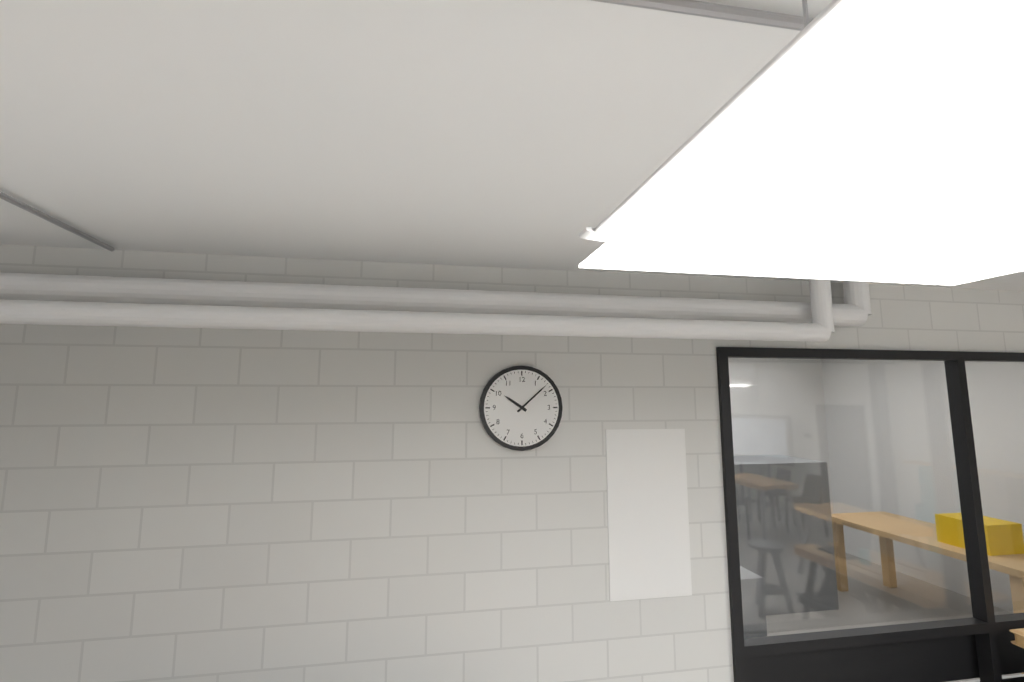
10:08
